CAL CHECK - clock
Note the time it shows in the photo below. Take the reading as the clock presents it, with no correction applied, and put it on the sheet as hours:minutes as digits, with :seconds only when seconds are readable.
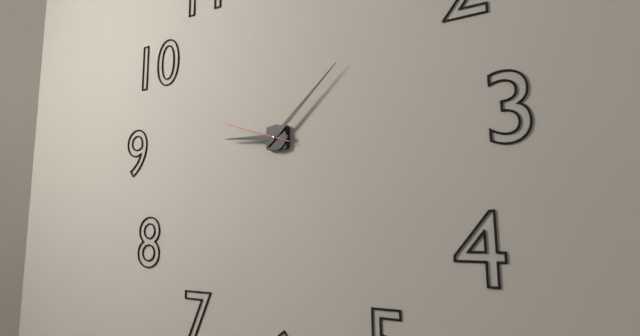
9:08:48
